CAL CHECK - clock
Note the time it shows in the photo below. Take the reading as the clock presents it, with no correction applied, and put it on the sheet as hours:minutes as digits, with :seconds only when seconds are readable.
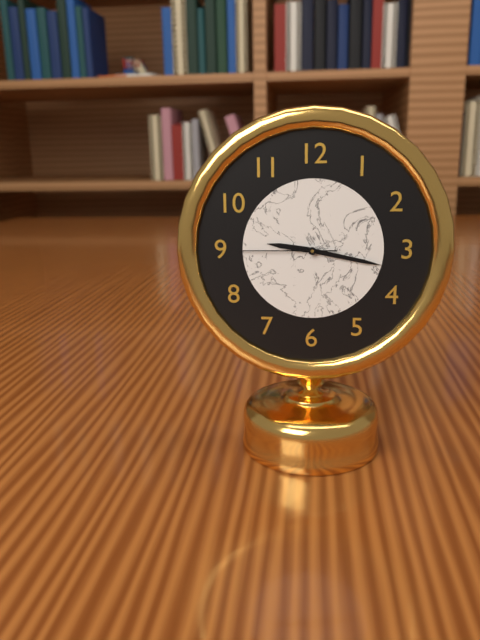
9:17:45
